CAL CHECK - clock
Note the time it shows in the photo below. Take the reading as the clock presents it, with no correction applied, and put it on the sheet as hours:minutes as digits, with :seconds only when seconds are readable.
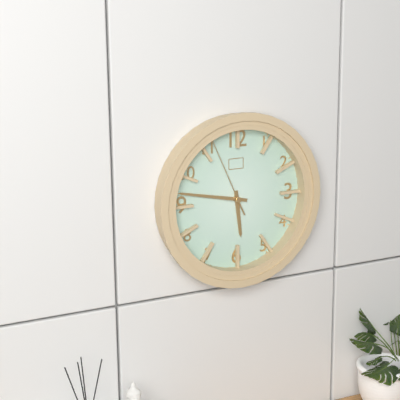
5:47:56
